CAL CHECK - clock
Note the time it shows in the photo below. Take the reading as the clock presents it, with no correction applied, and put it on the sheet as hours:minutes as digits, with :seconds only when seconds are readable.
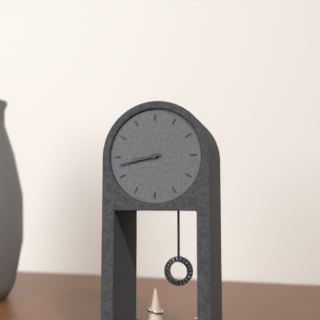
8:43
